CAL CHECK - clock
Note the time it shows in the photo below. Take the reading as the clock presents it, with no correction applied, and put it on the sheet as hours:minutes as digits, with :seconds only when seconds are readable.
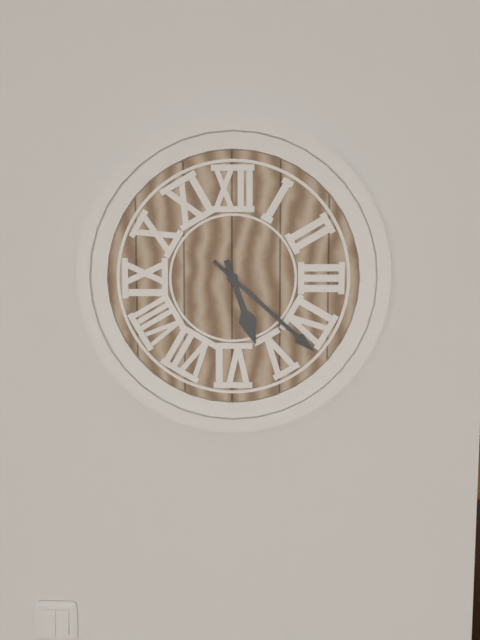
5:22
